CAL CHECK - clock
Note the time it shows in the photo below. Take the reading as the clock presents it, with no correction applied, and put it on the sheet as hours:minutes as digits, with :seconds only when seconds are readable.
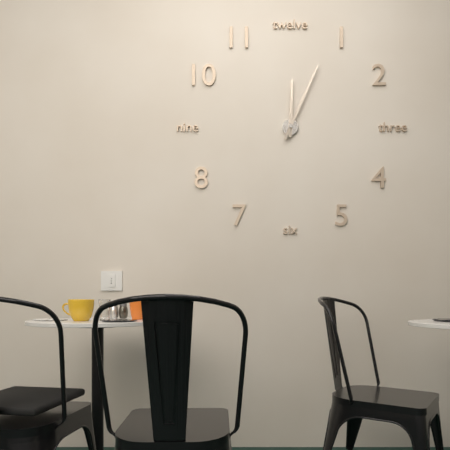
12:04
